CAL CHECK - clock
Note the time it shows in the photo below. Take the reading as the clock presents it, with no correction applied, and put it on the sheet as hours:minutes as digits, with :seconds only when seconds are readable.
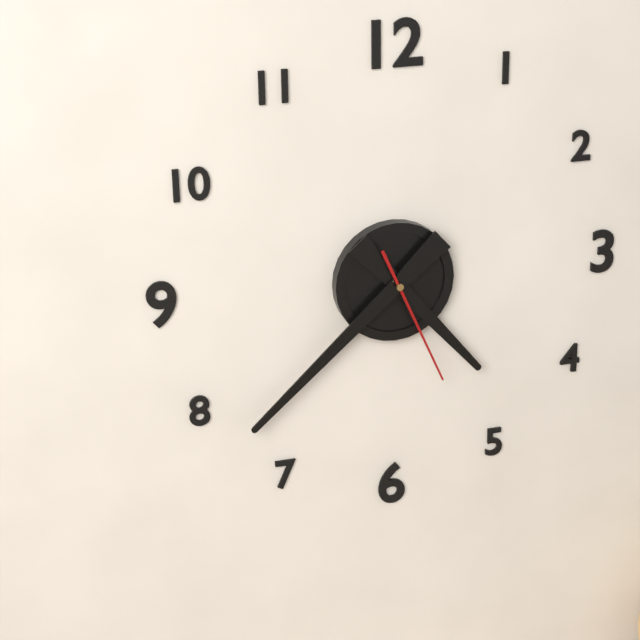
4:38:26
